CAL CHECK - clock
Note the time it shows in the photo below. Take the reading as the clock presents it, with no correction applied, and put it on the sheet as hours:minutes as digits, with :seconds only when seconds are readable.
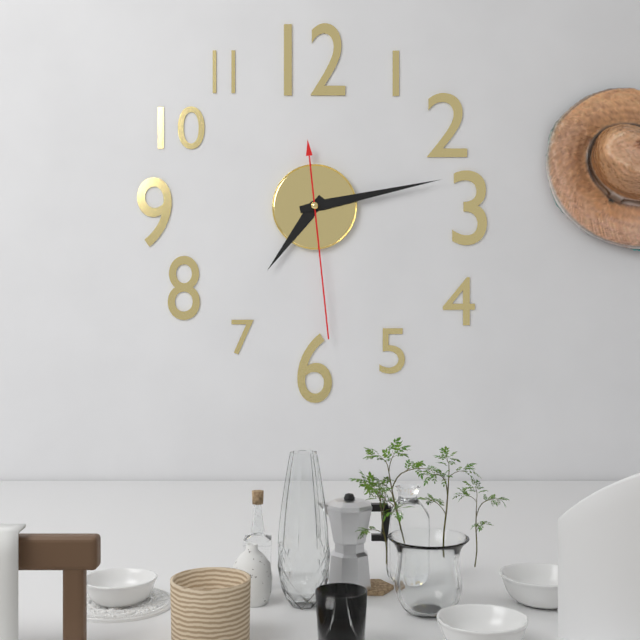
7:13:29
